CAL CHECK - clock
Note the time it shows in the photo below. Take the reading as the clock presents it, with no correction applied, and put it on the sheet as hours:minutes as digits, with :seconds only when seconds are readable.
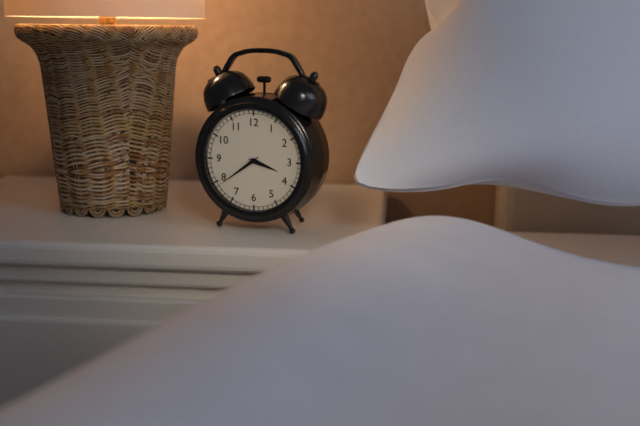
3:39
